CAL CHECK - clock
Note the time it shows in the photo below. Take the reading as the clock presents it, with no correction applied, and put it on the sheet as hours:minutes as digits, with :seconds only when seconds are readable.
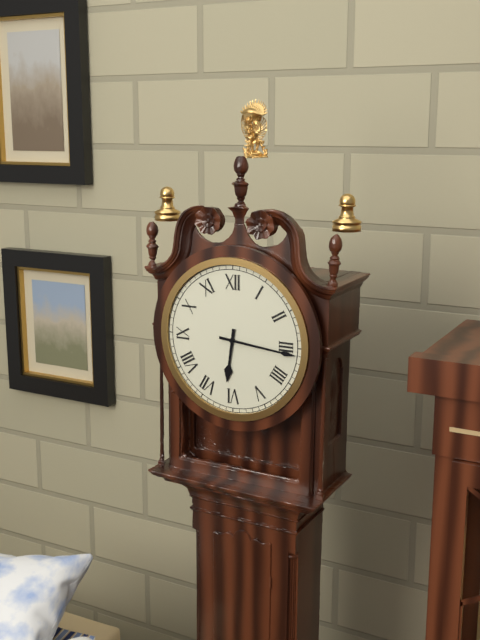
6:16
